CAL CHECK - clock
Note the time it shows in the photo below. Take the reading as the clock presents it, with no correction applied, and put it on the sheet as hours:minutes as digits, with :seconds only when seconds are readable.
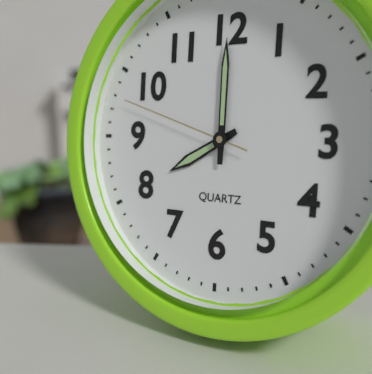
8:00:48
